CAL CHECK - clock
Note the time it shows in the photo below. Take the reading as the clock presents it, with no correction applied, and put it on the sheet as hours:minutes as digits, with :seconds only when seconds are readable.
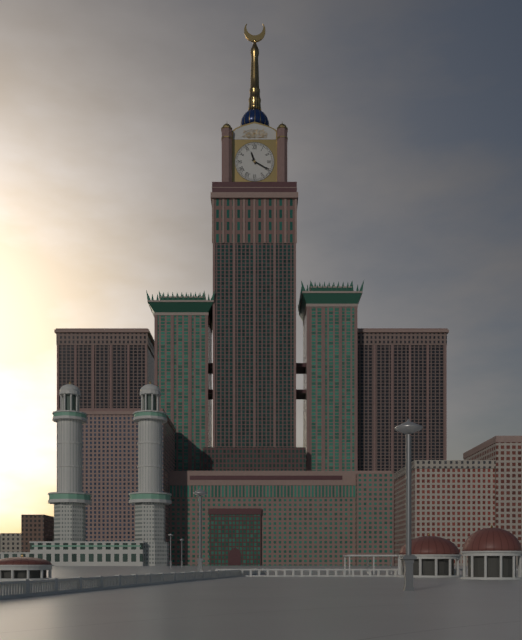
11:20
